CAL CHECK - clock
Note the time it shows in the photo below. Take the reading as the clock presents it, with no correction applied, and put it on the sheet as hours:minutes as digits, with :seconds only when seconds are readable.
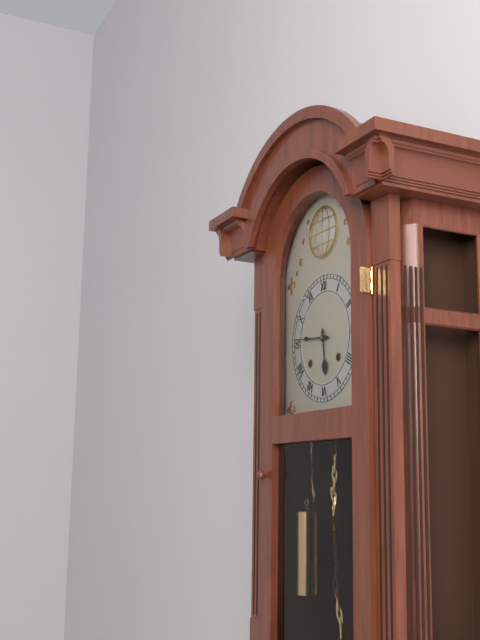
5:46
